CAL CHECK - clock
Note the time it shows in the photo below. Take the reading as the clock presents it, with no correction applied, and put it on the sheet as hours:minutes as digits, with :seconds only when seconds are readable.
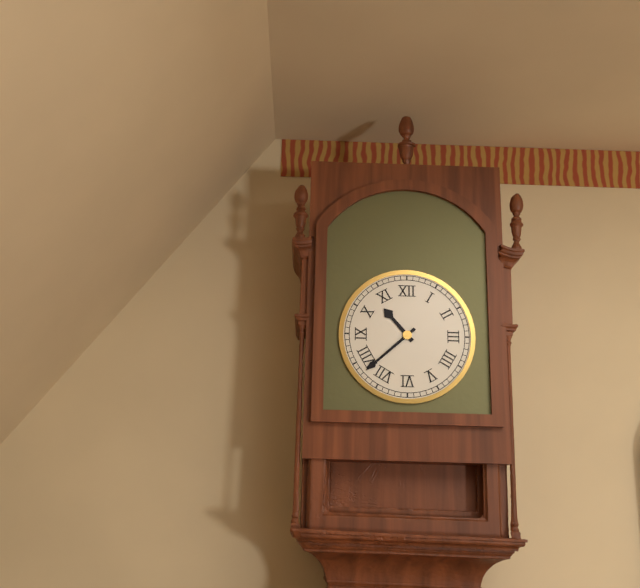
10:38
